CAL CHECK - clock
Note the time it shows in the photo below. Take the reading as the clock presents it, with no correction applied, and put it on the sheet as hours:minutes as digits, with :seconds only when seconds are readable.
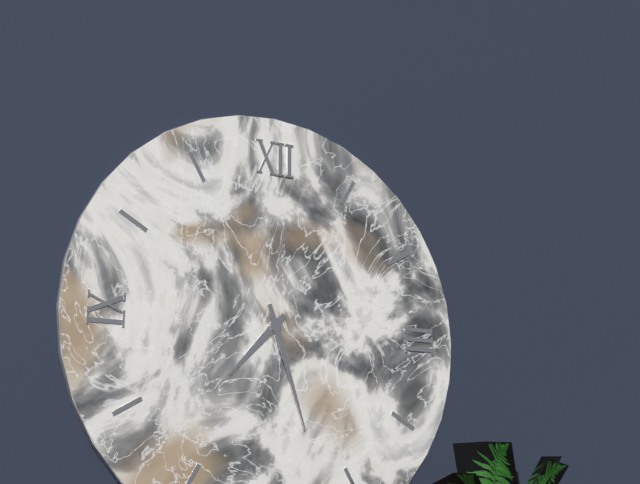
7:27
